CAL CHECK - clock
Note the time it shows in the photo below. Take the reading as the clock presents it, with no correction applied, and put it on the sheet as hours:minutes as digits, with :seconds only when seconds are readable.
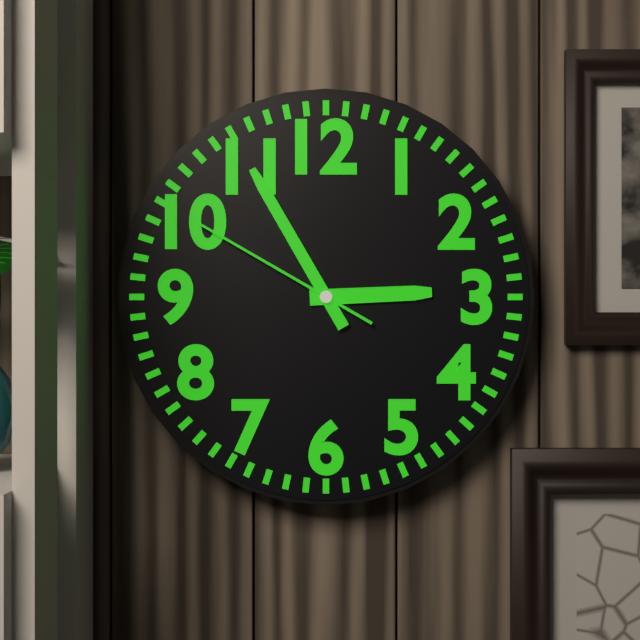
2:55:50
